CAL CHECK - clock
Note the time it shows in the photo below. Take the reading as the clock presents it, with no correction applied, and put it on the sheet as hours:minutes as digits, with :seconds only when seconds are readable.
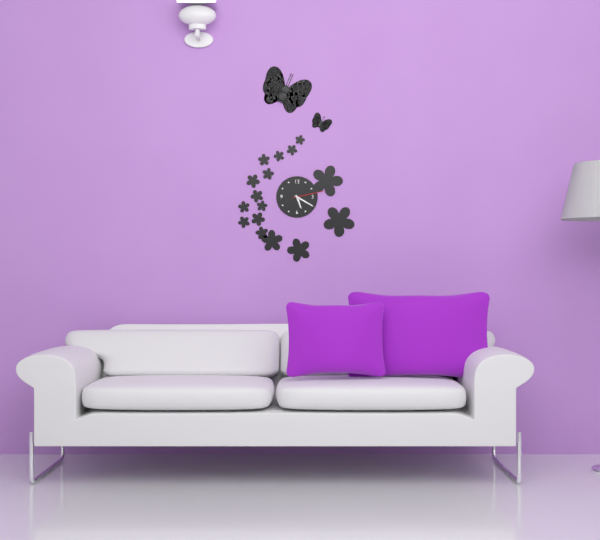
5:20
